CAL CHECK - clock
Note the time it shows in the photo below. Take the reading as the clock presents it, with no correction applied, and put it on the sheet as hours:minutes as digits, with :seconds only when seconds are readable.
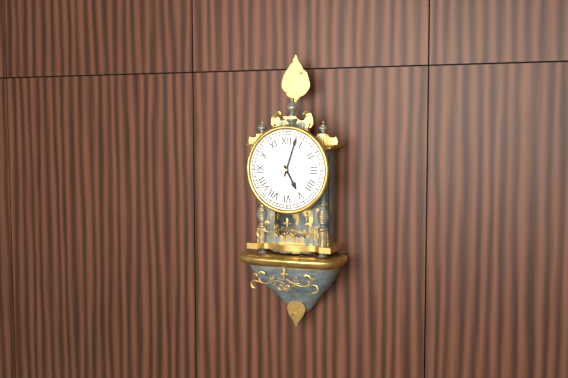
5:03
